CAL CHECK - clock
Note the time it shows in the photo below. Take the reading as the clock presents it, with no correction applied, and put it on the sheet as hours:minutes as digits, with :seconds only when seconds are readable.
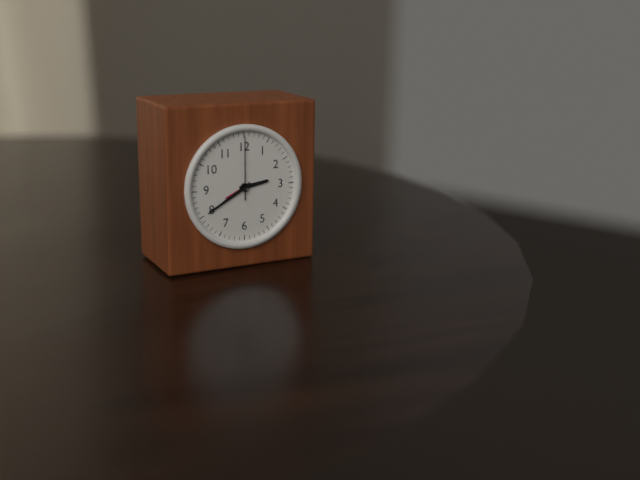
2:40:00
